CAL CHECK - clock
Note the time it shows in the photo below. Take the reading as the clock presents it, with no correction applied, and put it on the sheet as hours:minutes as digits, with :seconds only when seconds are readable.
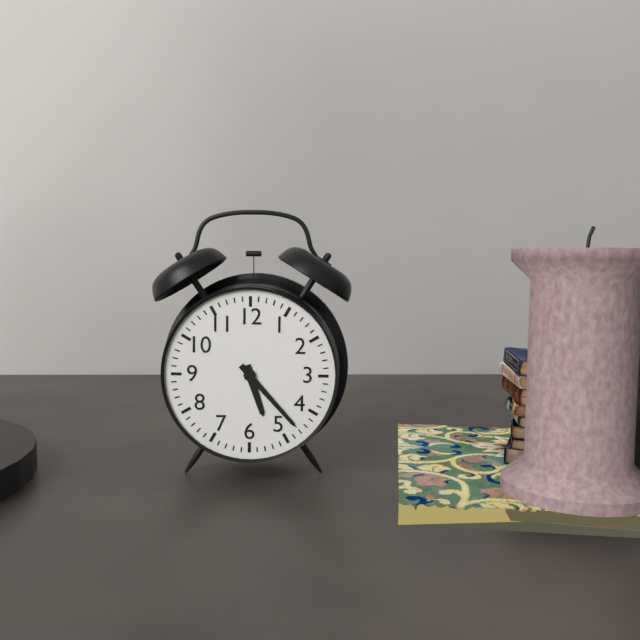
5:23
